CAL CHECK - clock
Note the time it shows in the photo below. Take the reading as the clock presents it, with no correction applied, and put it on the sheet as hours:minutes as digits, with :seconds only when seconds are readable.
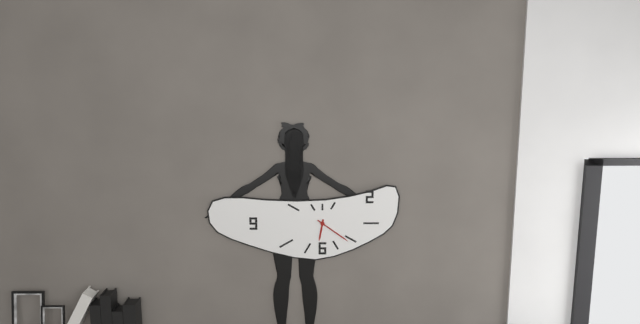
6:21
